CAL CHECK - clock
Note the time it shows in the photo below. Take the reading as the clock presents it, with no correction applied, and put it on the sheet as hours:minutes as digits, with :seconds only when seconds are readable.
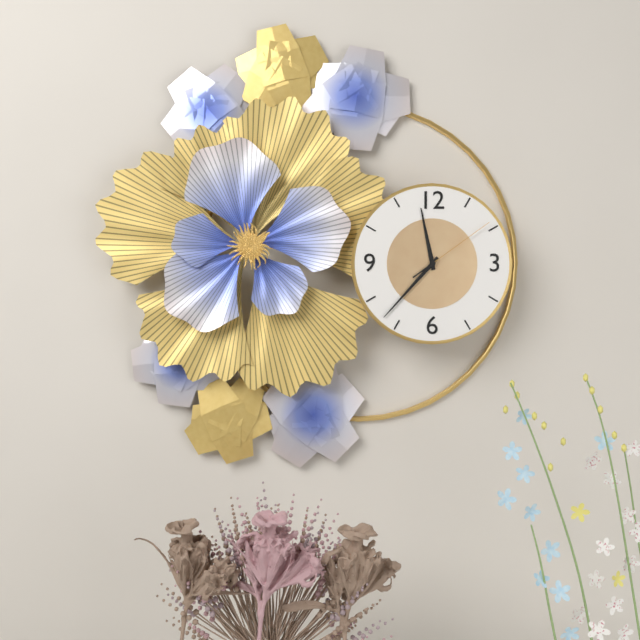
11:37:09
